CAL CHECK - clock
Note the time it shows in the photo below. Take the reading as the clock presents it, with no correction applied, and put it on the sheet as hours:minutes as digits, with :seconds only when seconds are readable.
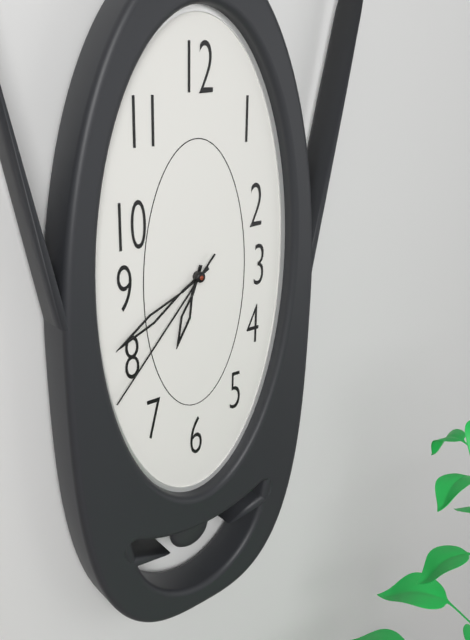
6:40:37
